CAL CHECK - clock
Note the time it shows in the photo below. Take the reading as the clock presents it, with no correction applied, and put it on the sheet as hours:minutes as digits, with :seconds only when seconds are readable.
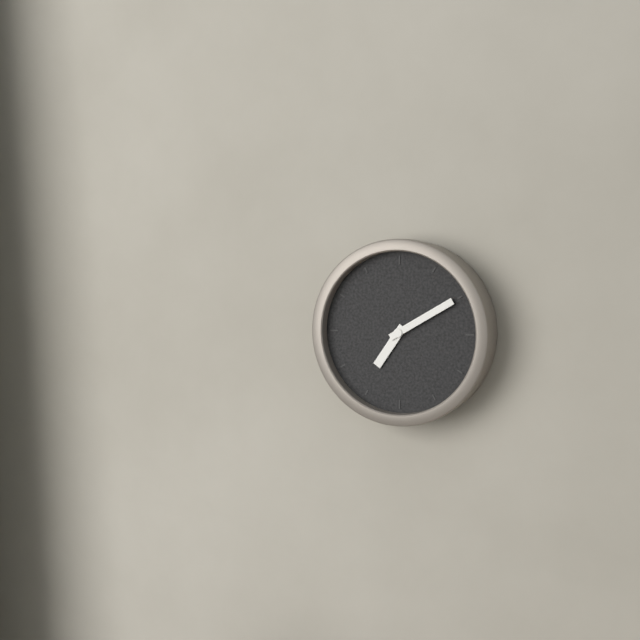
7:10
